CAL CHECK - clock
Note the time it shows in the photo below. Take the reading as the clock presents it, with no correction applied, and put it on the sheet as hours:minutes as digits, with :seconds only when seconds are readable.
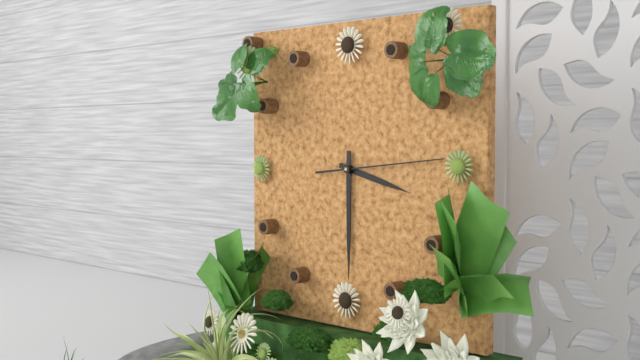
3:30:14
